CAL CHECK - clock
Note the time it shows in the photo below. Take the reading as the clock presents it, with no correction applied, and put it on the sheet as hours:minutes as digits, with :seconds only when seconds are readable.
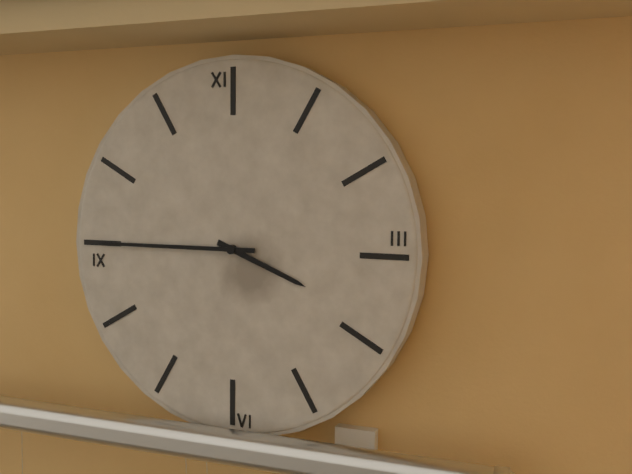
3:45
